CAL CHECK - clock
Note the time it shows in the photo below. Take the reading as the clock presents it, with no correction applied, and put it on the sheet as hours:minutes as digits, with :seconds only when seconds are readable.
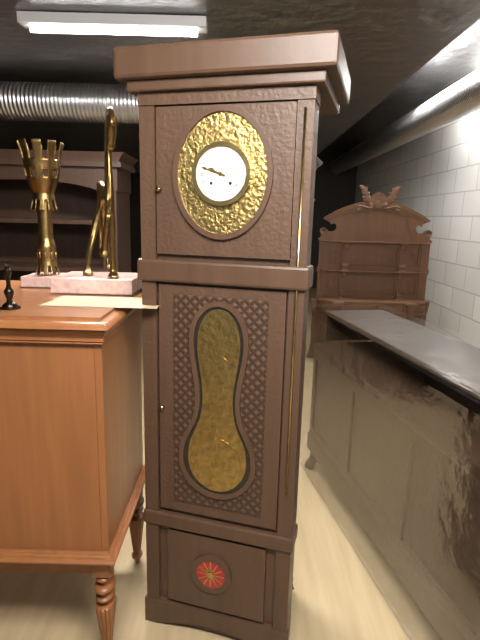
9:48
